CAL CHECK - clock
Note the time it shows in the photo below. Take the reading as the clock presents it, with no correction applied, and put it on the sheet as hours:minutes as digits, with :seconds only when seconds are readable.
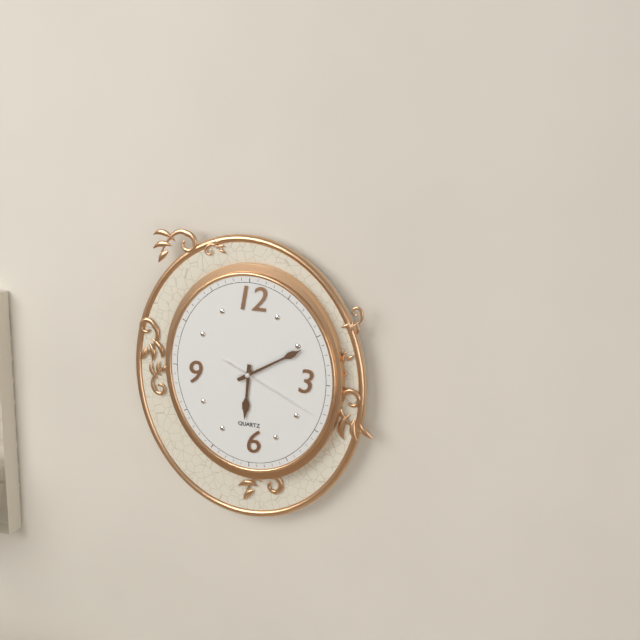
6:10:19
